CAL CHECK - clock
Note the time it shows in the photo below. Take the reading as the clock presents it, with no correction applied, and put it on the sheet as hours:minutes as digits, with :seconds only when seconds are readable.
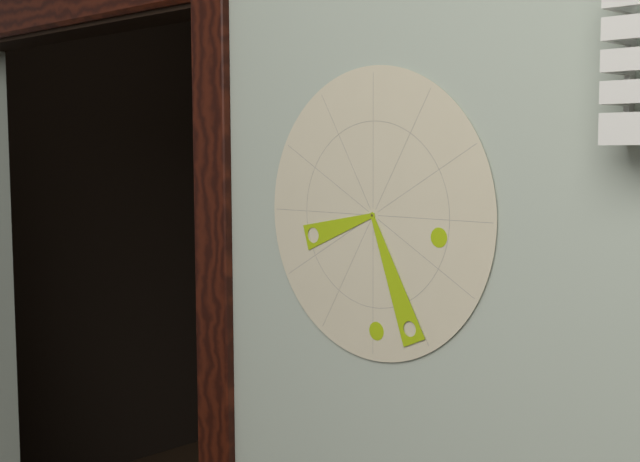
8:26
